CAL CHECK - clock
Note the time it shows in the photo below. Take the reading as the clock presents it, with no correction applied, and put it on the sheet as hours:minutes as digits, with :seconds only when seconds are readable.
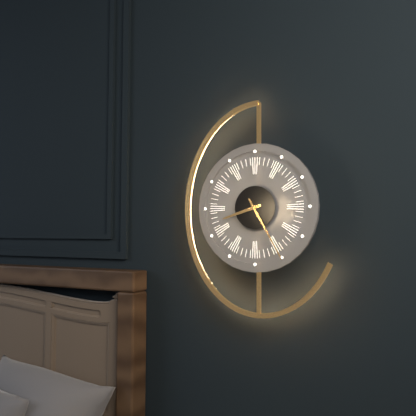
8:25
